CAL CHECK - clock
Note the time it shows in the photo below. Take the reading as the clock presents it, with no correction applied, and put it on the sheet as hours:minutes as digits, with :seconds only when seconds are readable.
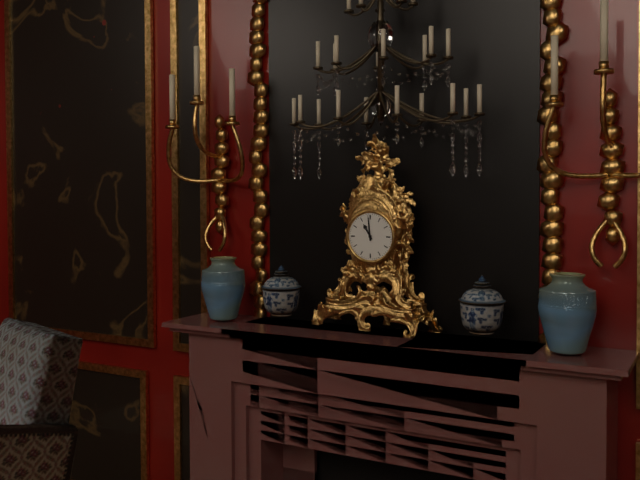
10:59
